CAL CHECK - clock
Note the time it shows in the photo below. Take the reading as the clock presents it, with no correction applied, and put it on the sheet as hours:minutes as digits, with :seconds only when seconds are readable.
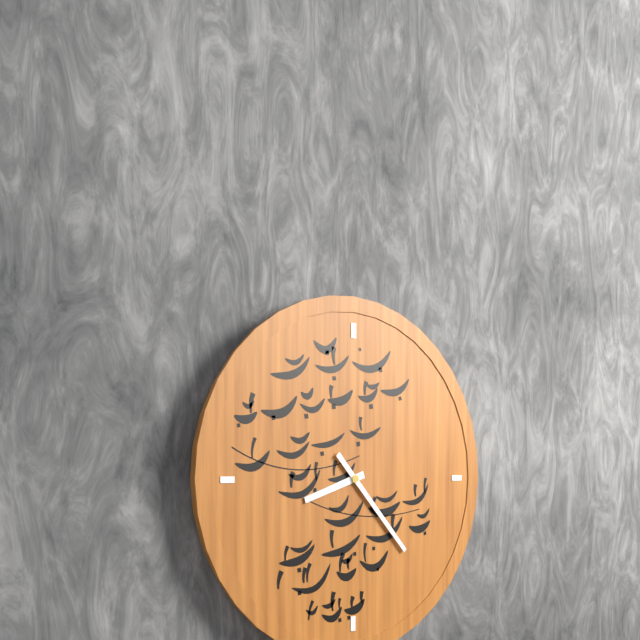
8:23
